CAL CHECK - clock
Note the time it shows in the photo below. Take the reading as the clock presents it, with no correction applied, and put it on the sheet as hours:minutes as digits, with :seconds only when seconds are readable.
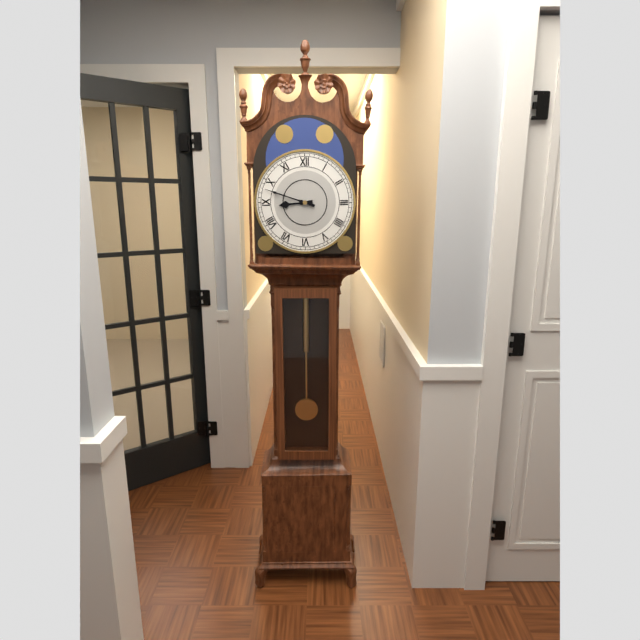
8:48
